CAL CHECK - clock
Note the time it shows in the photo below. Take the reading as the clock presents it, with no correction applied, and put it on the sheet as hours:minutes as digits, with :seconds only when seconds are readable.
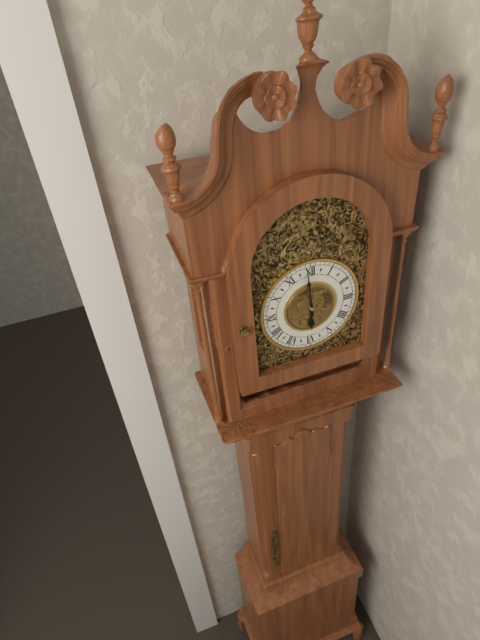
5:59
